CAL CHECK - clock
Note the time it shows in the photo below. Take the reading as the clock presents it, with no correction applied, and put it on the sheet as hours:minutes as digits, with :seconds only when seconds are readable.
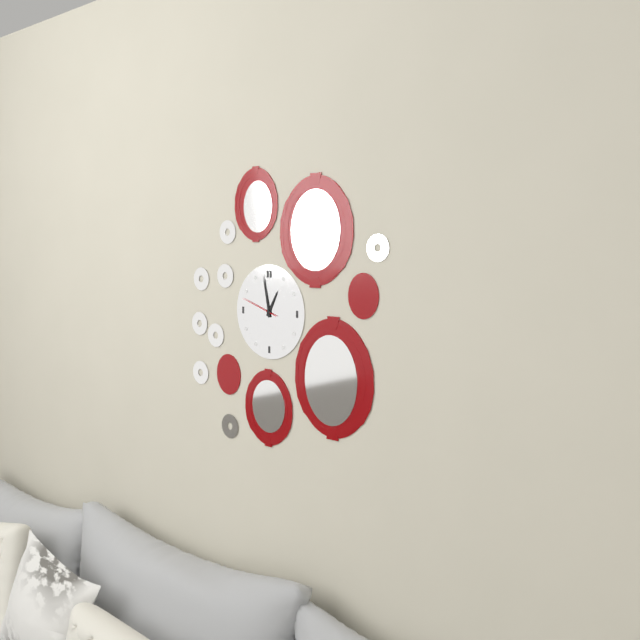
12:58
